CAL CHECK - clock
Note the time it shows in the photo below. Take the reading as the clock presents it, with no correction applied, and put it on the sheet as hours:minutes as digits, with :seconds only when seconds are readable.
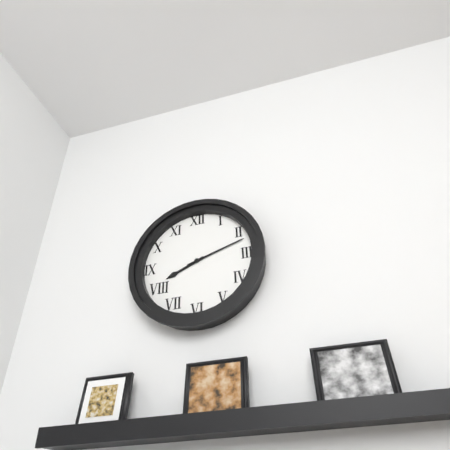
8:12
